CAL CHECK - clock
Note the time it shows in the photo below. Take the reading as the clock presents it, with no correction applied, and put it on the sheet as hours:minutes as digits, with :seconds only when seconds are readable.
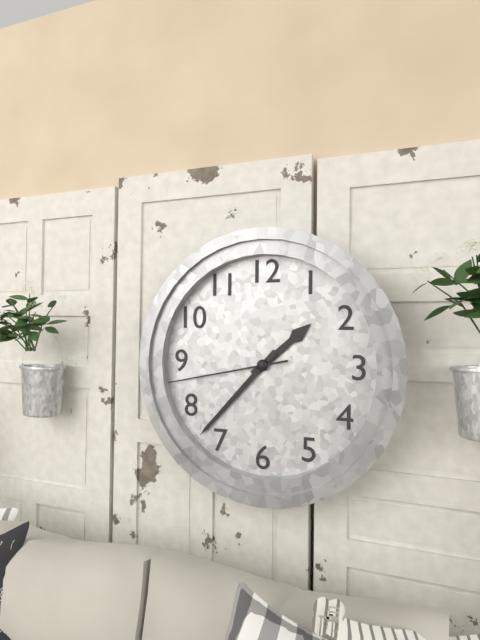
1:37:43
